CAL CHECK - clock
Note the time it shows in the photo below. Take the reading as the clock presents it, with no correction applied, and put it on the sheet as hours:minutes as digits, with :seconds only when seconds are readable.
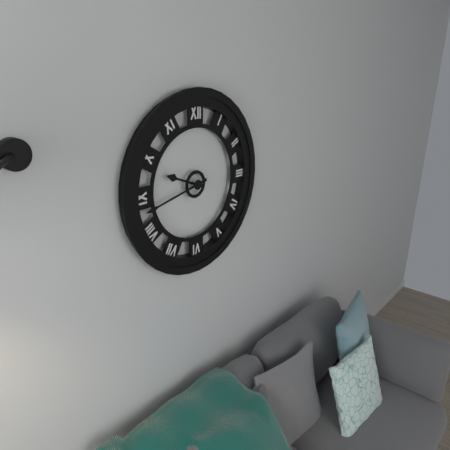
9:43
